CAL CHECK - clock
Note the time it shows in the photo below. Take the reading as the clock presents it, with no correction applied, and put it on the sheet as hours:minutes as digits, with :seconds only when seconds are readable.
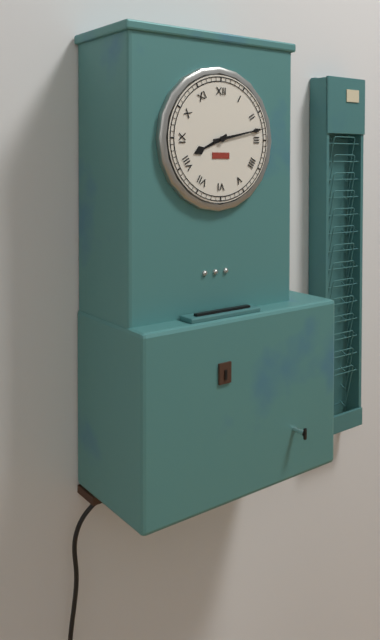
8:13
